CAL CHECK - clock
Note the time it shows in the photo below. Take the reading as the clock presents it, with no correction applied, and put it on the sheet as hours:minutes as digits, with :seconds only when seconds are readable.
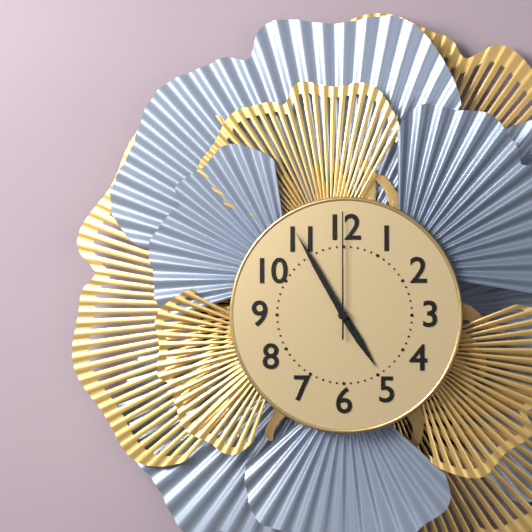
4:55:00
